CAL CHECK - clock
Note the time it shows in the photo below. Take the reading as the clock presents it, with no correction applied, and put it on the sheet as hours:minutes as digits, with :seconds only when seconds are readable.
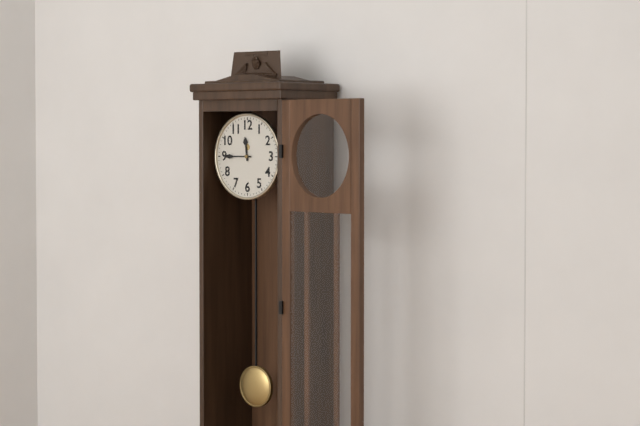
11:45
